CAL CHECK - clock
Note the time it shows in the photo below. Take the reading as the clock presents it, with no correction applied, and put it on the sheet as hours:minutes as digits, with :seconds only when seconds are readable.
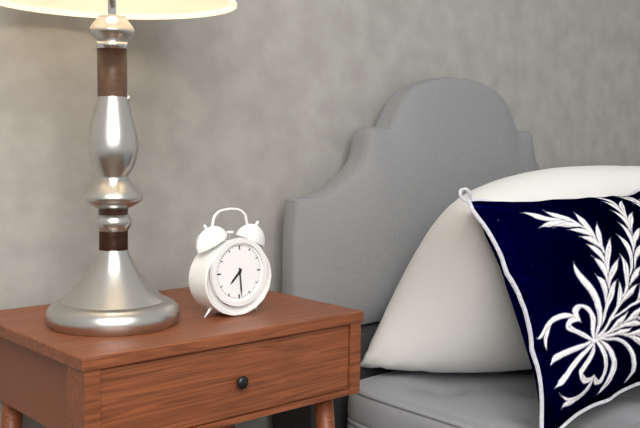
7:29
